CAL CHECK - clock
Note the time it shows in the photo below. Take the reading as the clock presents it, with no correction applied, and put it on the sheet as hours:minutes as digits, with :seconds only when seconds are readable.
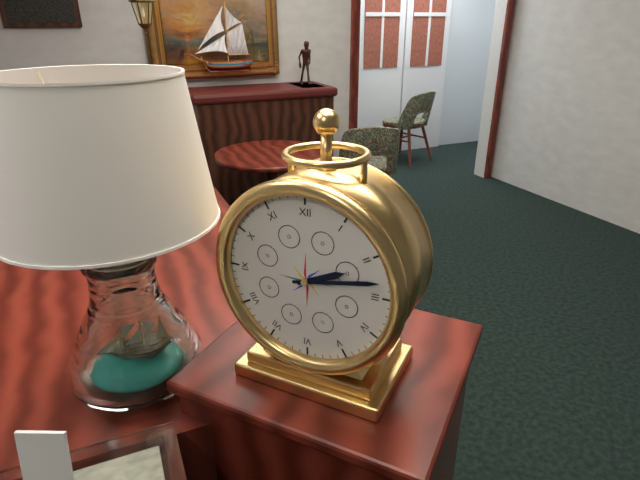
2:13
